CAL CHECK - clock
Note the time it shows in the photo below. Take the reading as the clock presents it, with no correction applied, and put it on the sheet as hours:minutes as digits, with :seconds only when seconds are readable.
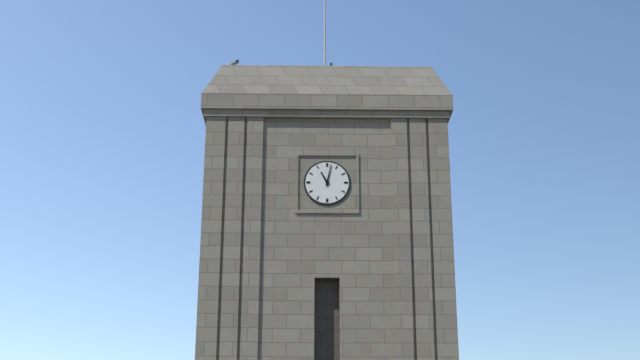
11:02
